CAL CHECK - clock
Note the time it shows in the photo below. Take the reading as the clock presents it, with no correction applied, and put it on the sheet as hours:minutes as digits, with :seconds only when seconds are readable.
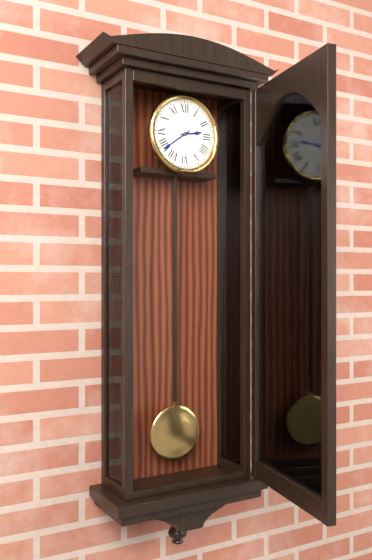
2:39
